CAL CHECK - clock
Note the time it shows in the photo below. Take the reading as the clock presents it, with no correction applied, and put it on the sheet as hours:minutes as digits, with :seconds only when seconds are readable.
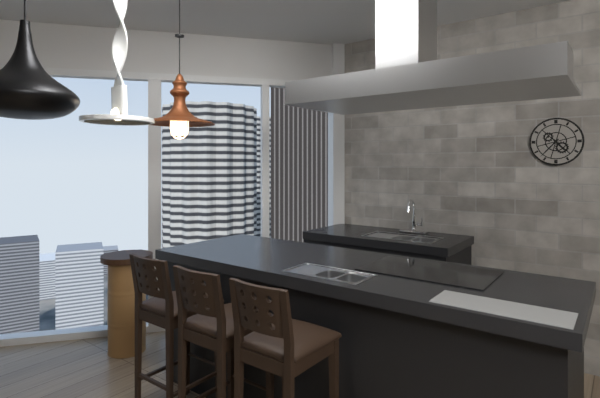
4:37
